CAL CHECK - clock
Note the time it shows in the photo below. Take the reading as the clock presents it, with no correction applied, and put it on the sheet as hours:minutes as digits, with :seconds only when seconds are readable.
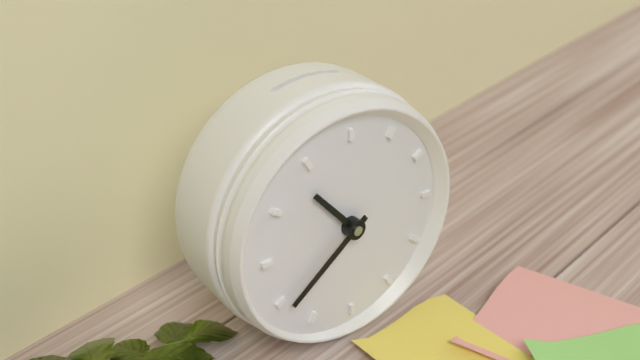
10:39
